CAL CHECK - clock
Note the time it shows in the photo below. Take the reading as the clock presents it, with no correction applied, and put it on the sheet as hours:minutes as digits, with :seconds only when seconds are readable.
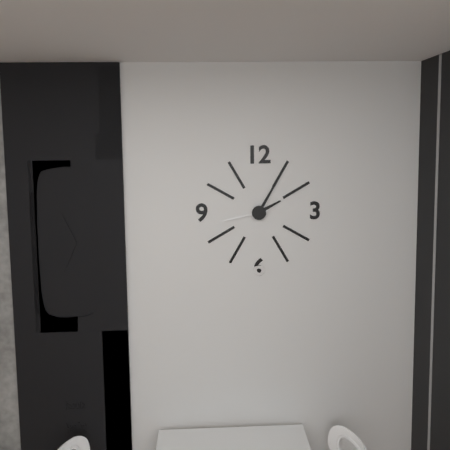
2:05
